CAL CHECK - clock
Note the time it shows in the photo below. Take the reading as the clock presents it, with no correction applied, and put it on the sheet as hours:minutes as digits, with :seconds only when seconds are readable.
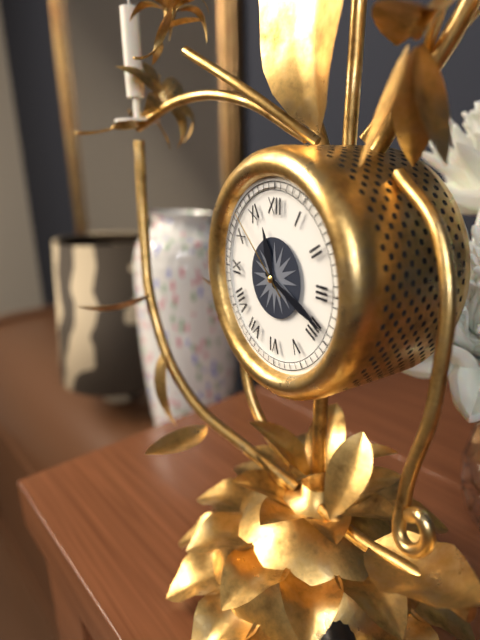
11:19:52
